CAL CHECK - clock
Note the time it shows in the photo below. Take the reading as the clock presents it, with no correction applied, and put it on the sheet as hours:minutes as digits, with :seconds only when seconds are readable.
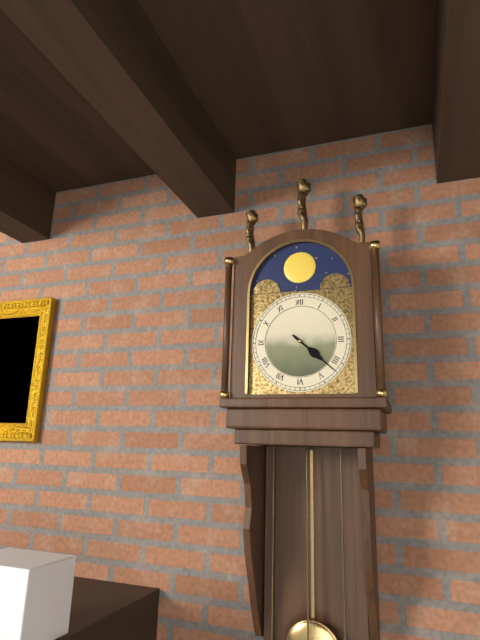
4:22
